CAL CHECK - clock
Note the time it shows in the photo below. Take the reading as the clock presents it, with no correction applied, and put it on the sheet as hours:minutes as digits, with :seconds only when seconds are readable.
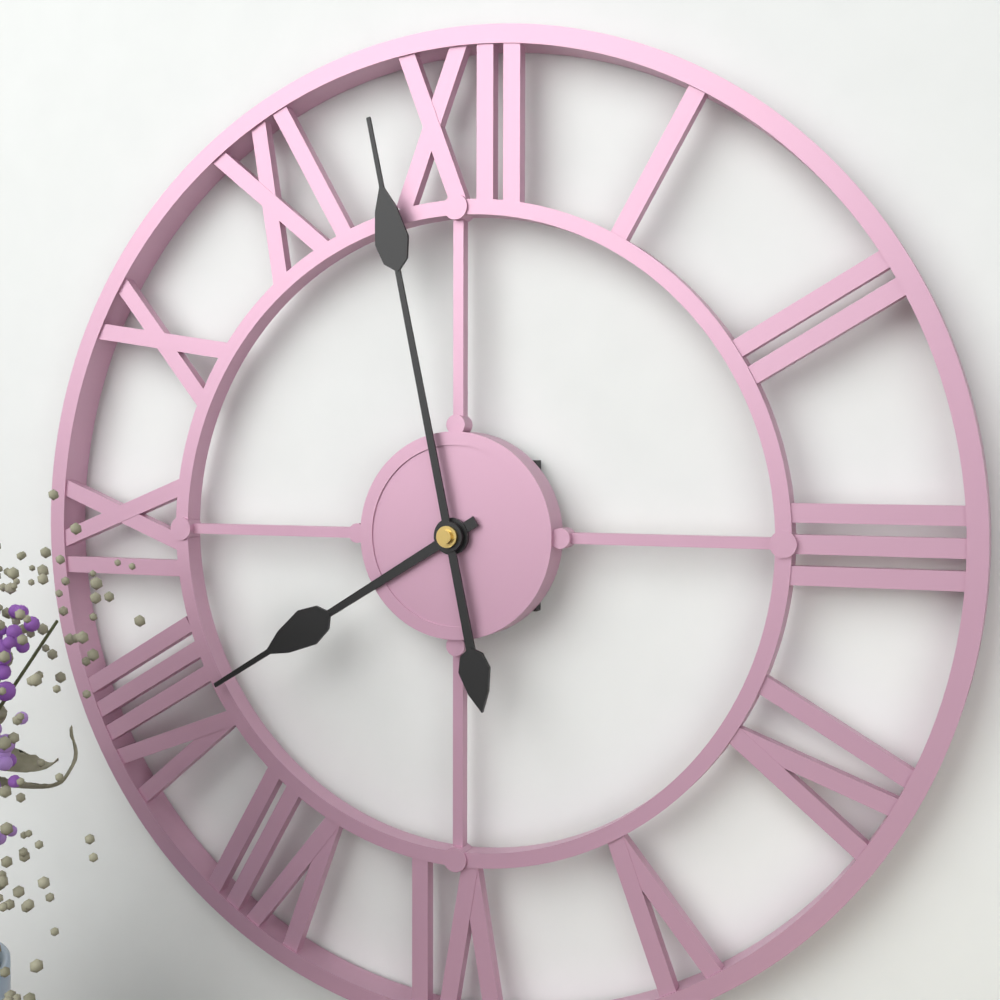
7:58
